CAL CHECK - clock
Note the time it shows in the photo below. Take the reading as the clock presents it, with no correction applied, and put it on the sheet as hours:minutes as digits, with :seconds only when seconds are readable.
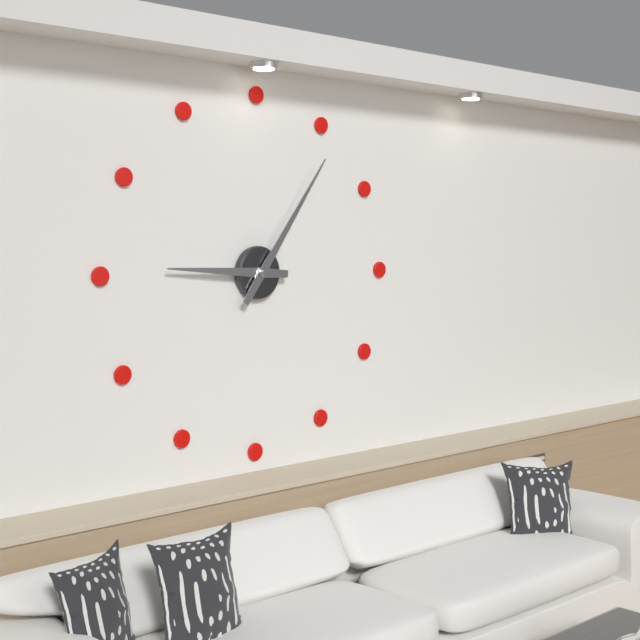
9:06
